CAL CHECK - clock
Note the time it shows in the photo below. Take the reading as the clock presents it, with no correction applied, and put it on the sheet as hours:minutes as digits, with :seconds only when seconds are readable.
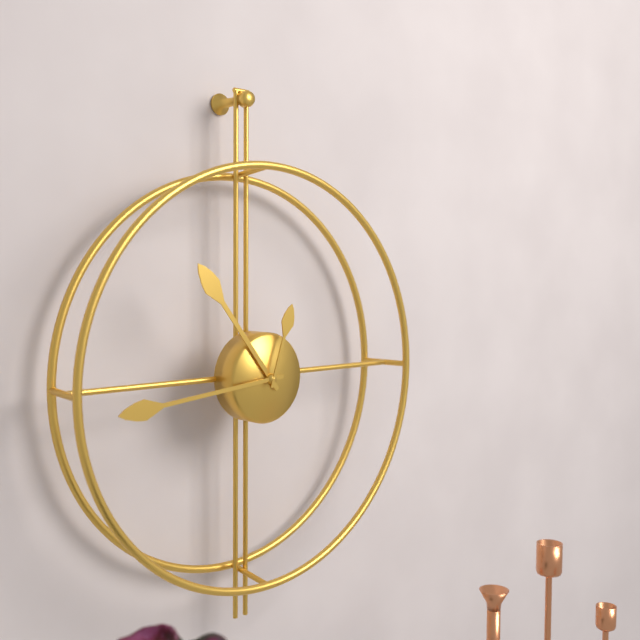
10:44:03
